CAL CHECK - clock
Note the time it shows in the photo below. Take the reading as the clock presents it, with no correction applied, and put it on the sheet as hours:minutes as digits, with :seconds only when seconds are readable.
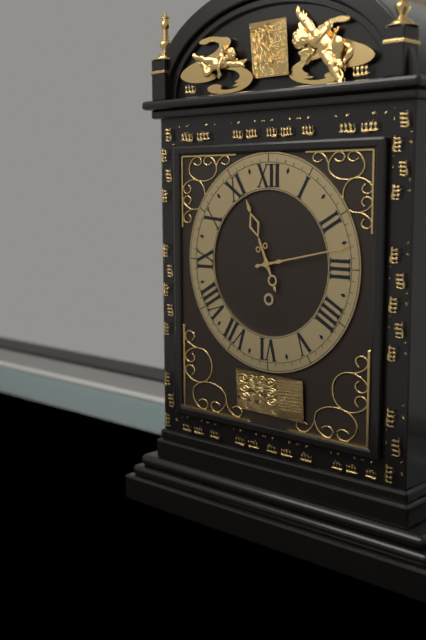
11:13
